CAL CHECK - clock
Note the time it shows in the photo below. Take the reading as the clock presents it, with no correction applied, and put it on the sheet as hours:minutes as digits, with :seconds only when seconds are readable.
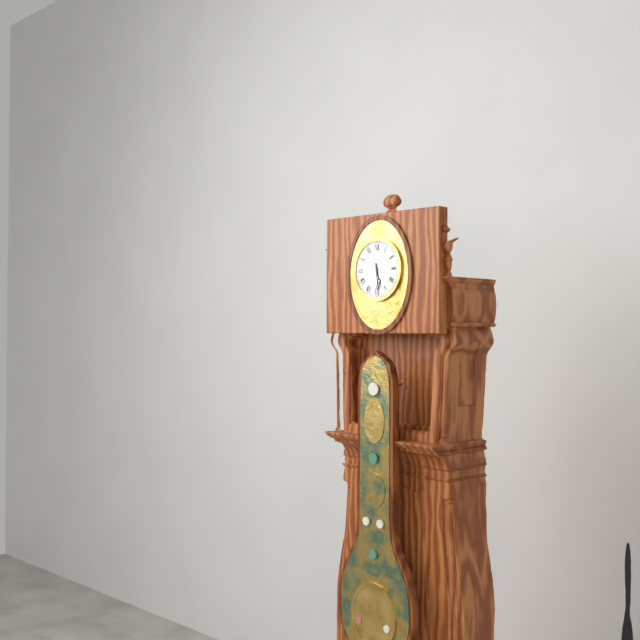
5:29
